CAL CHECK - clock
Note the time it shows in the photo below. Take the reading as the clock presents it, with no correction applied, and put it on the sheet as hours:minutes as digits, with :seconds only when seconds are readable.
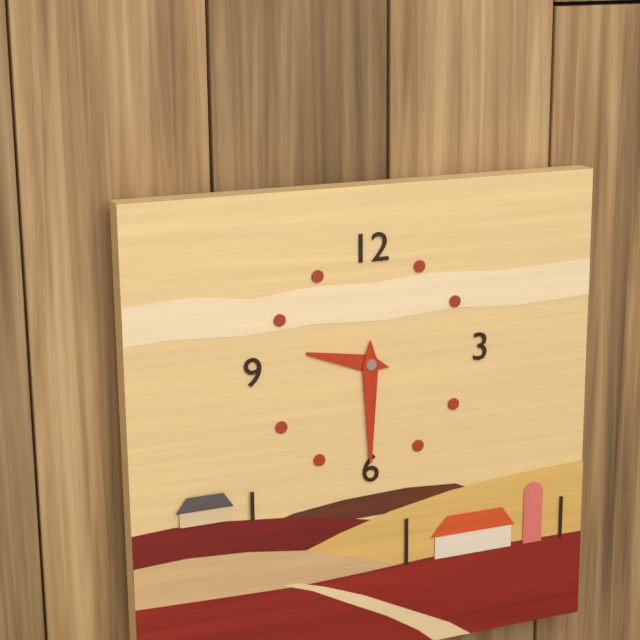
9:30
